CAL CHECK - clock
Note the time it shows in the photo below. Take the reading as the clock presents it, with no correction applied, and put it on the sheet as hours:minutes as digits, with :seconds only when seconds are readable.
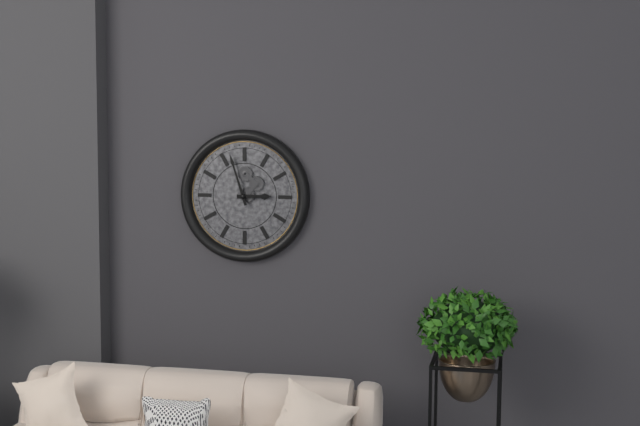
2:57
